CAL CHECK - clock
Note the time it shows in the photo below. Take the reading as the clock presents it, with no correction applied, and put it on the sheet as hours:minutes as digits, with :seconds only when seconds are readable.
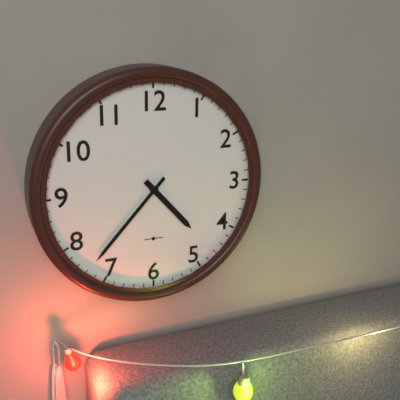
4:37
